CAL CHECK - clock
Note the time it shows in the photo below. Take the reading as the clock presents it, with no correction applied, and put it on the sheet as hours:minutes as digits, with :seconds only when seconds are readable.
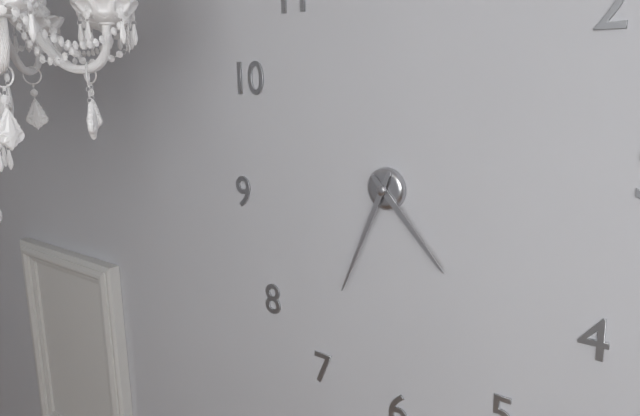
4:34
